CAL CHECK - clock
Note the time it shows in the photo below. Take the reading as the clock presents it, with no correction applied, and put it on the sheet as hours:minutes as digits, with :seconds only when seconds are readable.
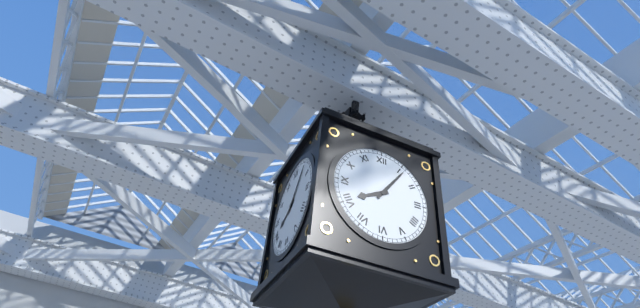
8:06
